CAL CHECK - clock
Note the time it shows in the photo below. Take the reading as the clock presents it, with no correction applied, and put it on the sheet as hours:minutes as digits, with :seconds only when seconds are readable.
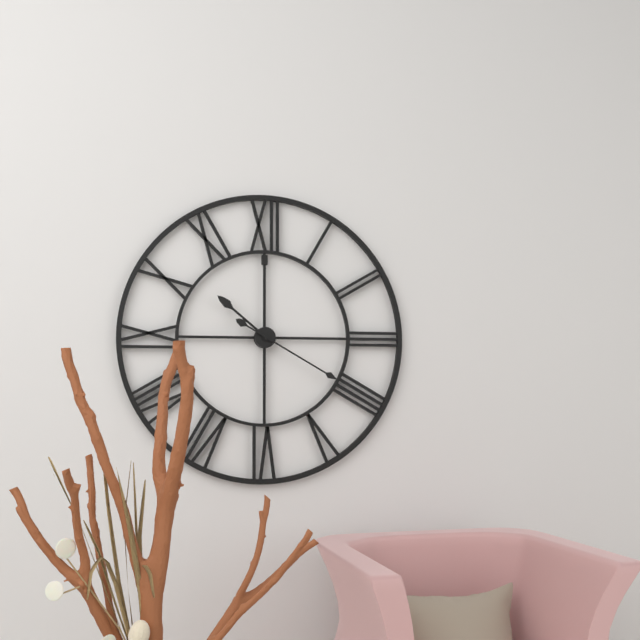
10:20
